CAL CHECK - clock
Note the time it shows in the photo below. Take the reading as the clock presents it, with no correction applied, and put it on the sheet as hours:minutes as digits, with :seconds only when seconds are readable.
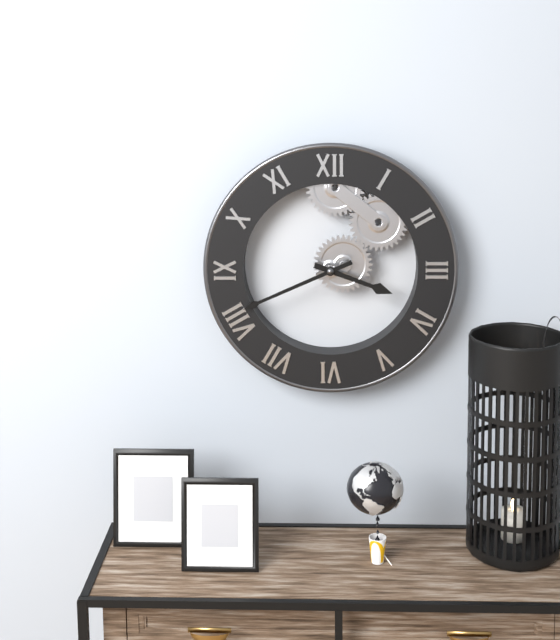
3:41
